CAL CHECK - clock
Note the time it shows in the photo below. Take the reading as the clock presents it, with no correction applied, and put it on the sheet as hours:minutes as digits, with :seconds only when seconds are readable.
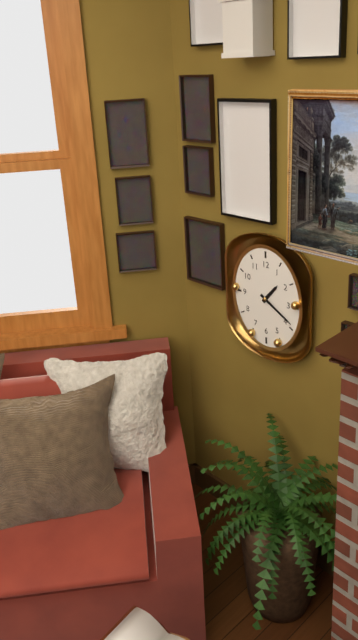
1:20
